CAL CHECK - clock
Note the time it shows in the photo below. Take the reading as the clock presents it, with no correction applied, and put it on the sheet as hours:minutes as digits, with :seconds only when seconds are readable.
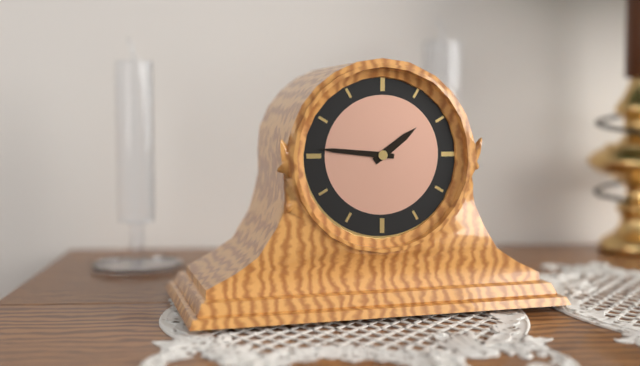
1:46
